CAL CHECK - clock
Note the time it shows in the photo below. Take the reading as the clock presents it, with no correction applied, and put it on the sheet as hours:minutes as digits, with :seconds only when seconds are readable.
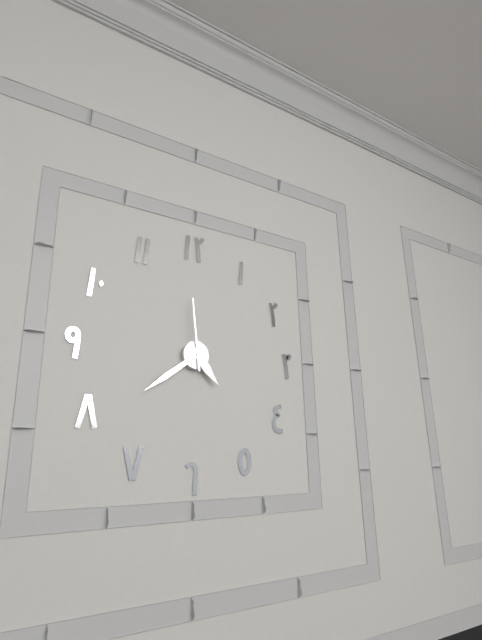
4:39:59
